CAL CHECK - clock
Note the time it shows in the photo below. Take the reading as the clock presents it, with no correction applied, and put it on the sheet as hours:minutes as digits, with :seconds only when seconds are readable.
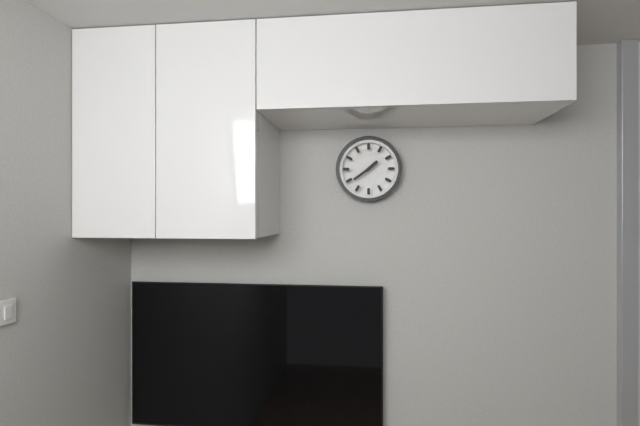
1:39
